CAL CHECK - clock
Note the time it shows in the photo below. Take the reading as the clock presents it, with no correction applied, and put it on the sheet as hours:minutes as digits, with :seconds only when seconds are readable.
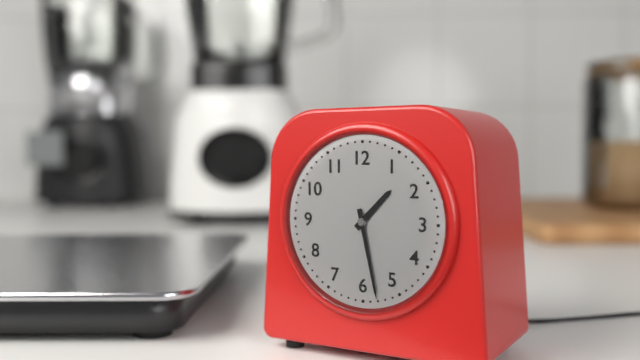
1:28
